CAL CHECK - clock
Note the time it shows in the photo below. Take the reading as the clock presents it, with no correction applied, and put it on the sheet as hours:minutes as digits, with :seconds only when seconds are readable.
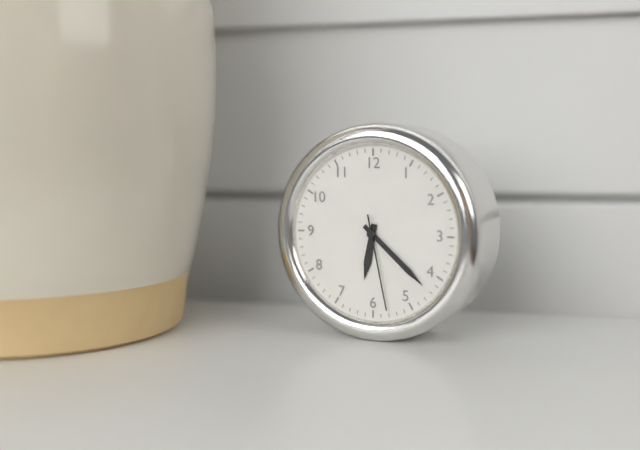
6:22:28
